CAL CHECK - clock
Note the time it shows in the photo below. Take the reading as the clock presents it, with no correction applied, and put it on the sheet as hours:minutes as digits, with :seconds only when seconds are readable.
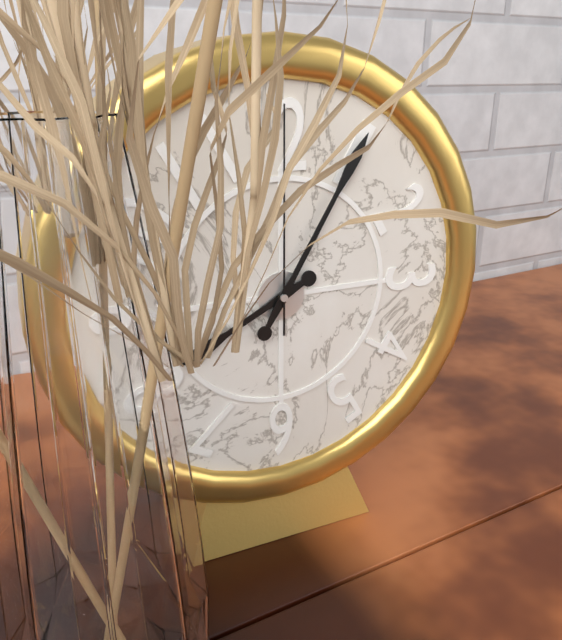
8:05:00
